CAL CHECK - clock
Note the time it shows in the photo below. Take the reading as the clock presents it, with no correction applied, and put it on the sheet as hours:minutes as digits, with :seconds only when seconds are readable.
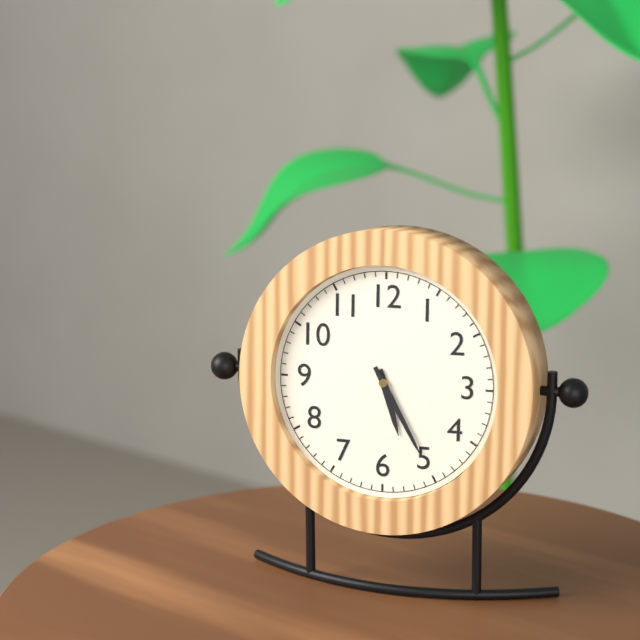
5:25
